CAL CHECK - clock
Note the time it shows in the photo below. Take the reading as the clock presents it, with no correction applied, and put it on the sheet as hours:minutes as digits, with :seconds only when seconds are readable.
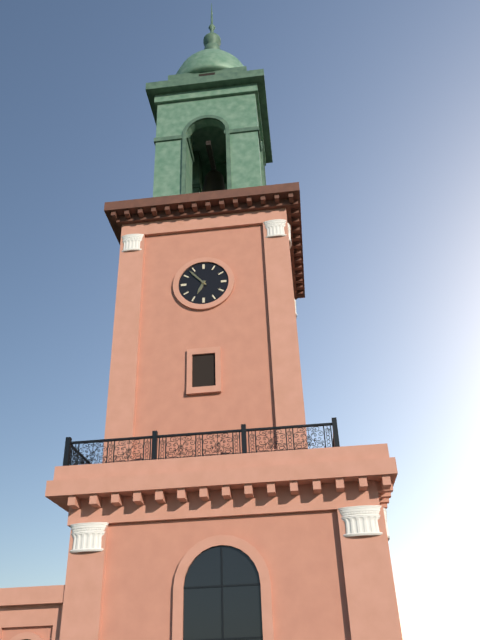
6:53
